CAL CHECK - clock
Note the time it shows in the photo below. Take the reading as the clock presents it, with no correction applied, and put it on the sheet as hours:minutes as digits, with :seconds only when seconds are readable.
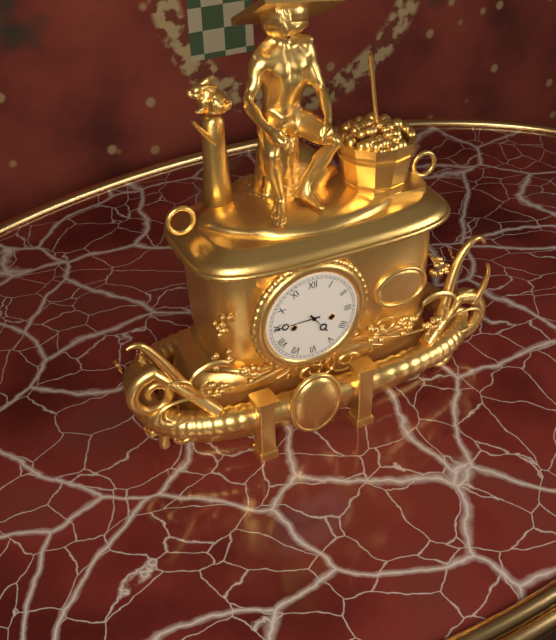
4:45
